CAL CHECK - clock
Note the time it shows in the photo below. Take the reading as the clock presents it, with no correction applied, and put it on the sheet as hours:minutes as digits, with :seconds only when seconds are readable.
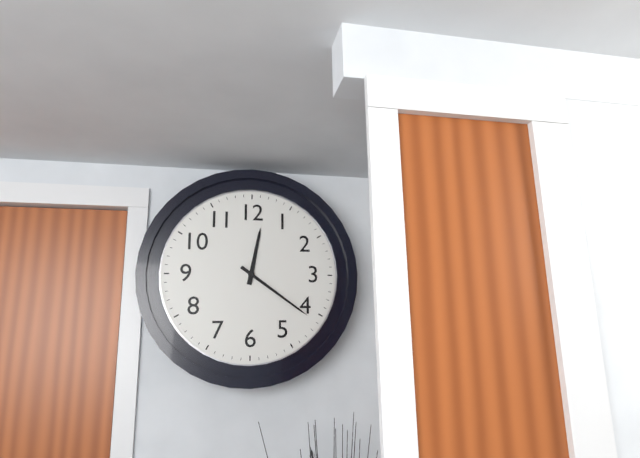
12:21
